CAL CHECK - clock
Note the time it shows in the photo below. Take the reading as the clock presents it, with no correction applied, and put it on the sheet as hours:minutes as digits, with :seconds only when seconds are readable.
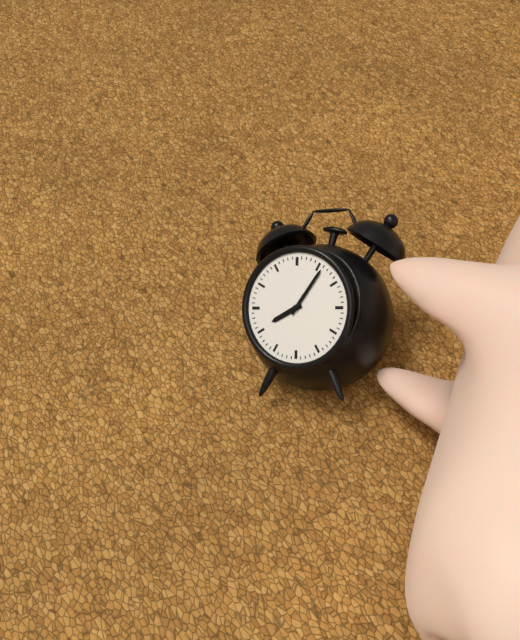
8:06
